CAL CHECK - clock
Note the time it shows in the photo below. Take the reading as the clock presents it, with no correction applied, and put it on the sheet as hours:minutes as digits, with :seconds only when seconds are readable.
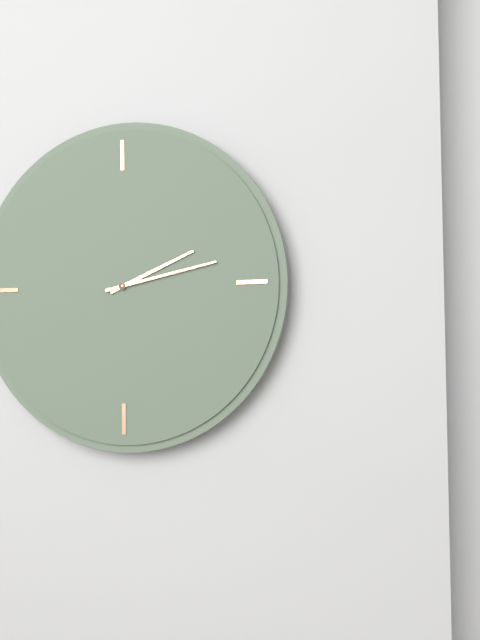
2:13
